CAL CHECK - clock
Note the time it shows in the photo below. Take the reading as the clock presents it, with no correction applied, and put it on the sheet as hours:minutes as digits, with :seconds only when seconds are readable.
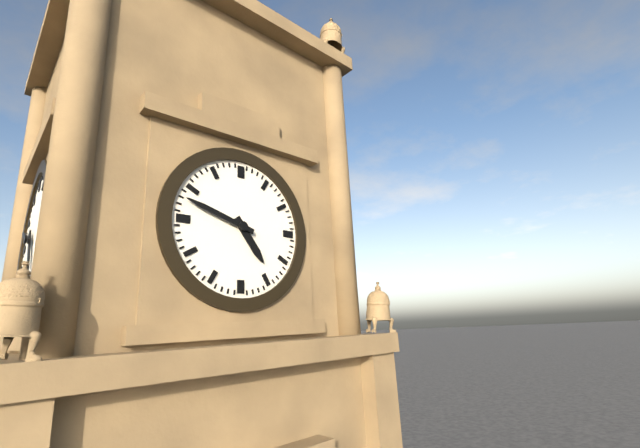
4:48
